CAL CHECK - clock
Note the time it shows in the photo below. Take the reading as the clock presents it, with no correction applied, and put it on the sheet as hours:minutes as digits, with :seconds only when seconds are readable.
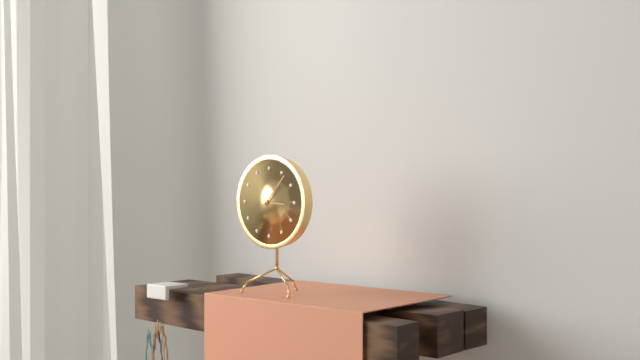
3:07
